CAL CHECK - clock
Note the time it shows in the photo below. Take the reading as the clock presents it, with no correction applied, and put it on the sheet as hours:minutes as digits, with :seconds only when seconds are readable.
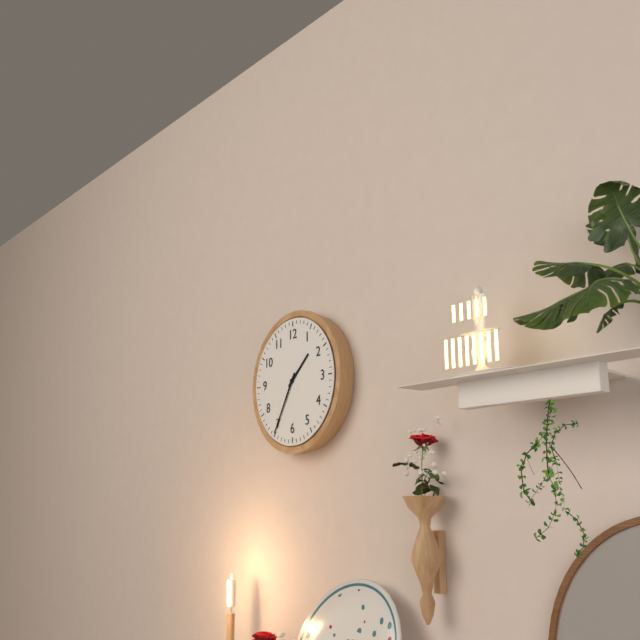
1:35
